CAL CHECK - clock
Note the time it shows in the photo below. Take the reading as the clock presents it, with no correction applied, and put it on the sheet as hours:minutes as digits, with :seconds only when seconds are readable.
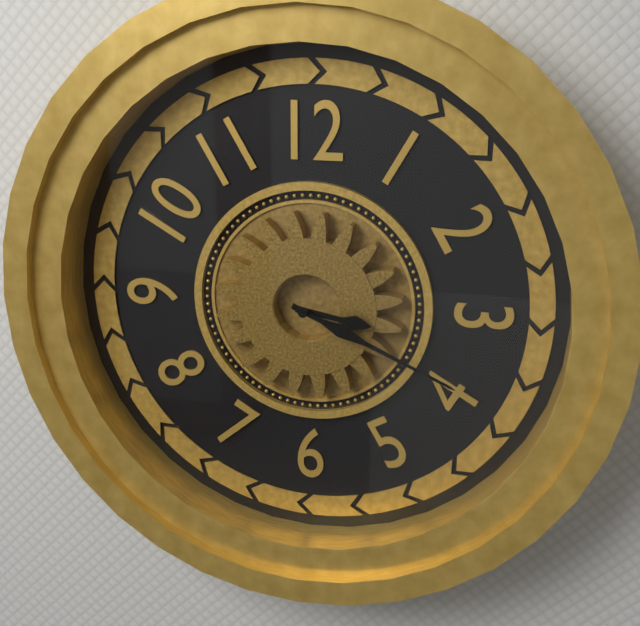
3:19
